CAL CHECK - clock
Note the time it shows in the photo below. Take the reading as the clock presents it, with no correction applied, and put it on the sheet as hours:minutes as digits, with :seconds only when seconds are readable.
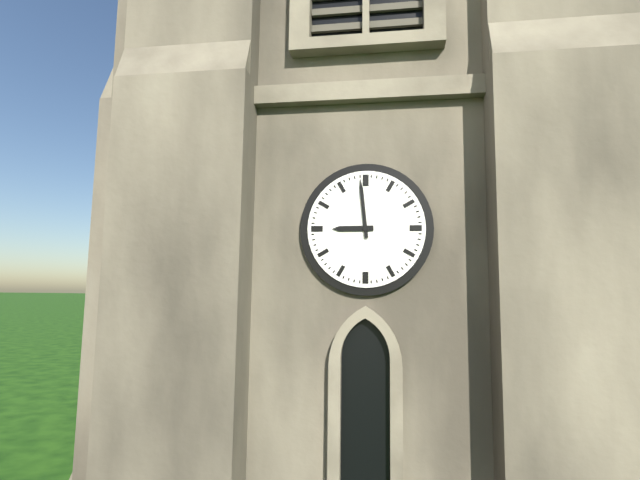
8:59
